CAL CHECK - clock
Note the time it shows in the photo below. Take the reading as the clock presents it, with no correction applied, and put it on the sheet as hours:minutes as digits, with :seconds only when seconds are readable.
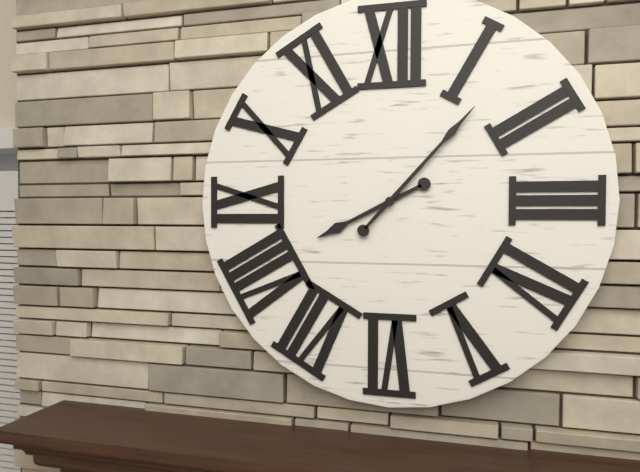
8:07
